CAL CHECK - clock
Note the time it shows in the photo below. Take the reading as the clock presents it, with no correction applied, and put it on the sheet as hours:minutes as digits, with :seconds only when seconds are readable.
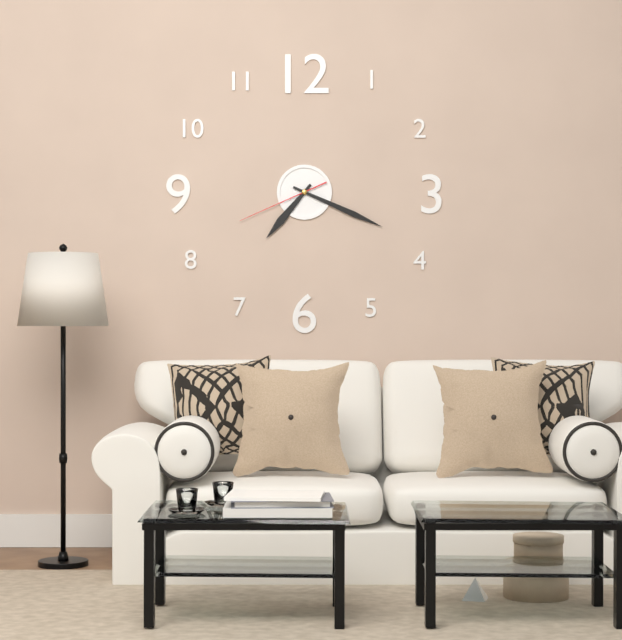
7:19:41
